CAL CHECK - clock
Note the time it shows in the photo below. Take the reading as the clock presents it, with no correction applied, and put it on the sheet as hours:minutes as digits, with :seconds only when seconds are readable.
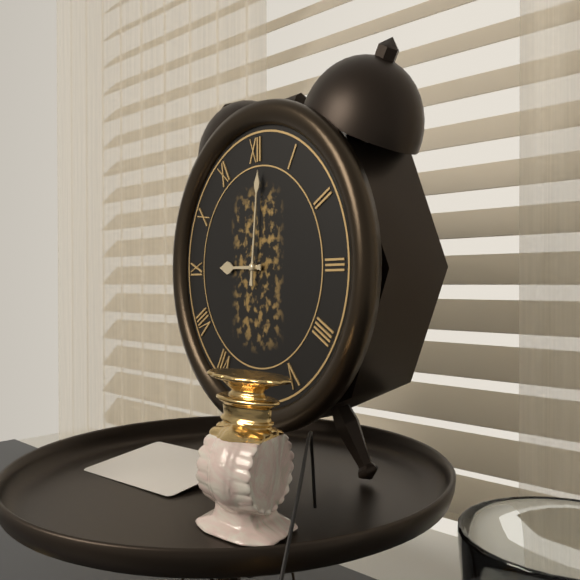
9:01
